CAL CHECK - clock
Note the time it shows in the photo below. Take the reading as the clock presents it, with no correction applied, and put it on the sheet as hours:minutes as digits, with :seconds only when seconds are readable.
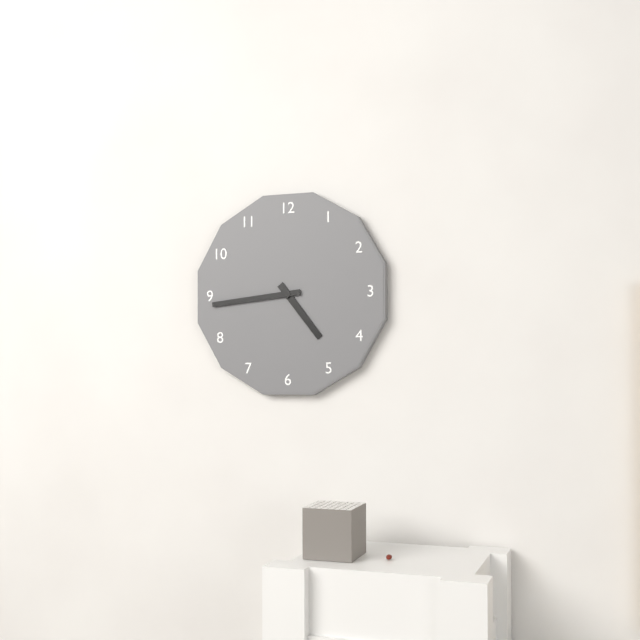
4:44
